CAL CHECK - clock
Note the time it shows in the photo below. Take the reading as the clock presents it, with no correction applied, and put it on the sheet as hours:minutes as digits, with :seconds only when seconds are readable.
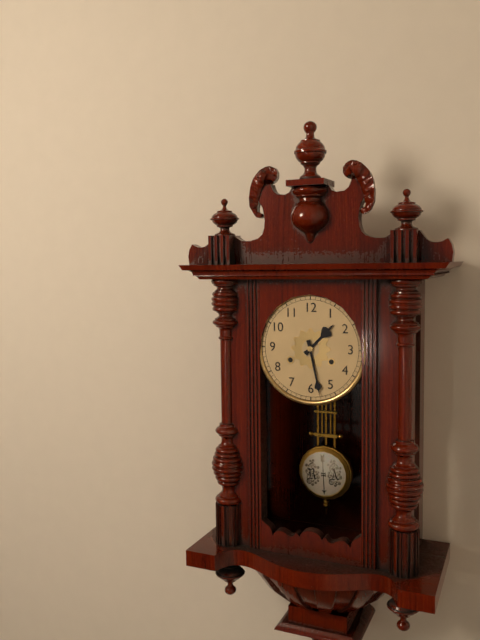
1:28
